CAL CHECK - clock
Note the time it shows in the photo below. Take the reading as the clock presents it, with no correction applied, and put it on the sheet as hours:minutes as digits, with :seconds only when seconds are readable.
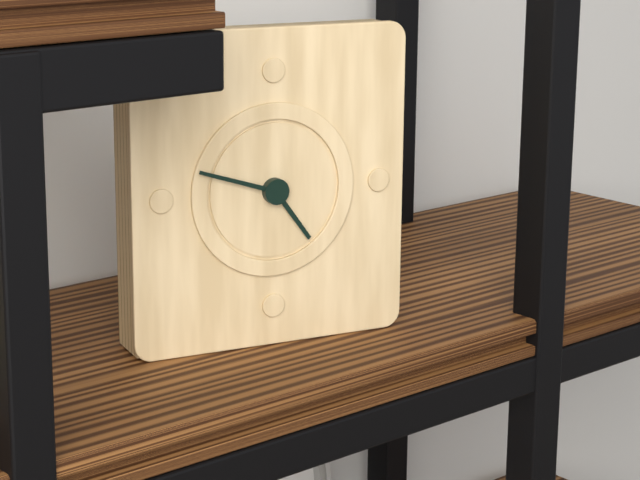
4:48
